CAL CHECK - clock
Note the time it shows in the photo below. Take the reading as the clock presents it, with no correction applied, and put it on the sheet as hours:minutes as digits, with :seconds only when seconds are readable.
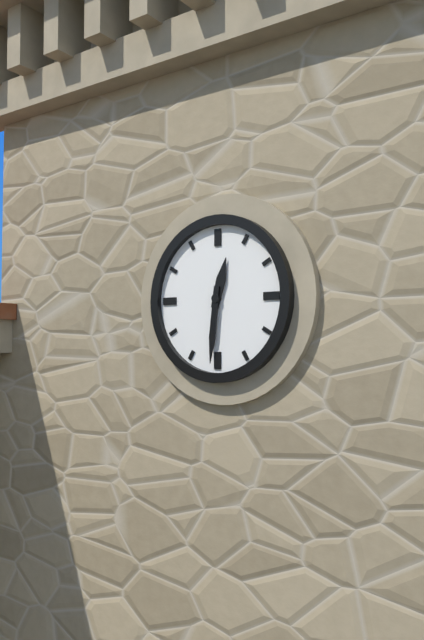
12:31
